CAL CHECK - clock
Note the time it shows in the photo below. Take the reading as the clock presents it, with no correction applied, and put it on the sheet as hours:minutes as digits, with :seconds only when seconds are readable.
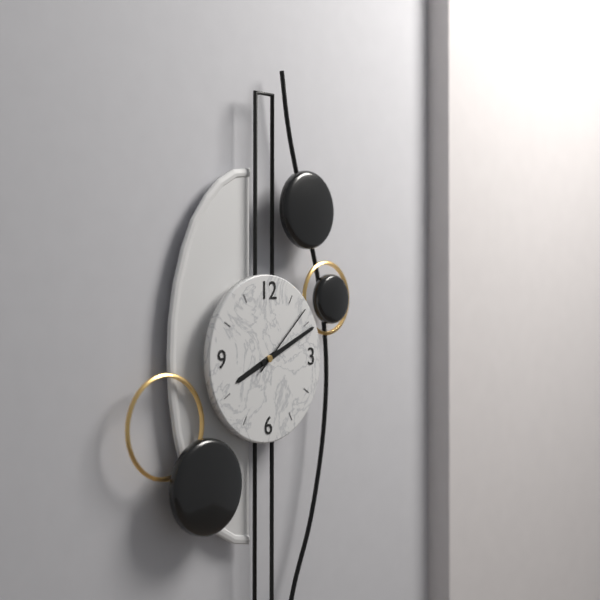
8:11:08
